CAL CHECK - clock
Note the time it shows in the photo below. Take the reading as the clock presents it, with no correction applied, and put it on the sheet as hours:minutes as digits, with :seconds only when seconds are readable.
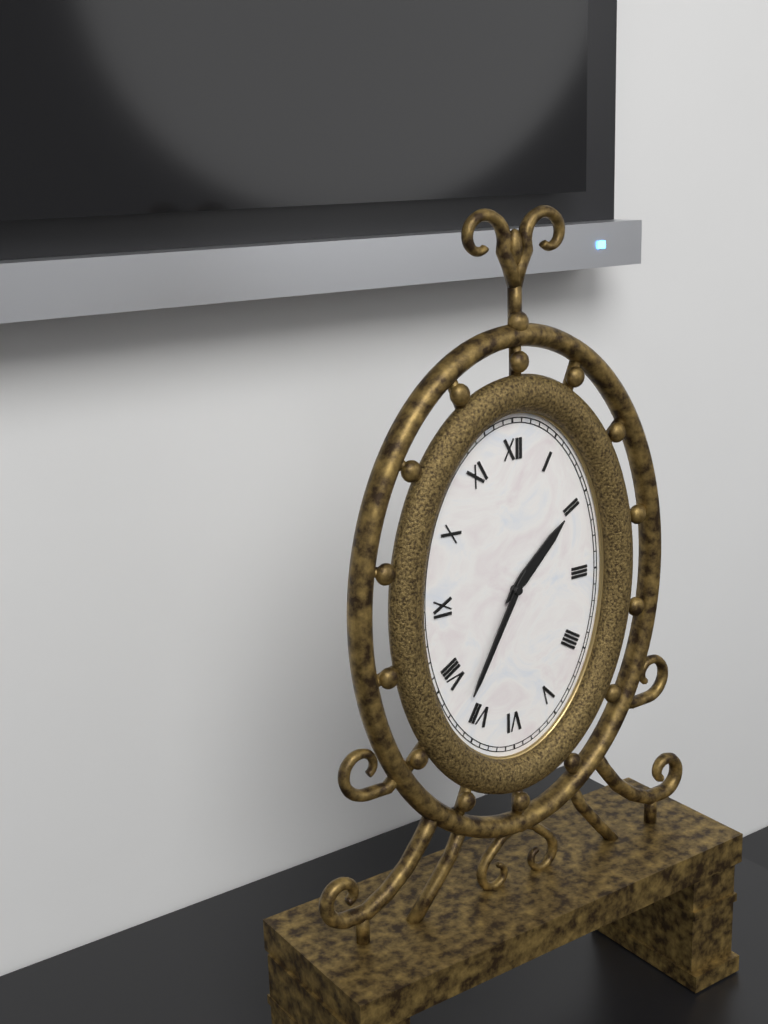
1:35
